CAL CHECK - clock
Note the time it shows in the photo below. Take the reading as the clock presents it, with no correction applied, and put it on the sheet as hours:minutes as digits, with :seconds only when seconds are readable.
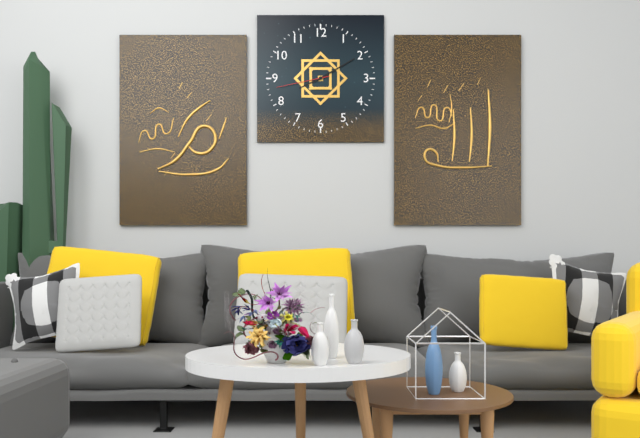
8:10:43
